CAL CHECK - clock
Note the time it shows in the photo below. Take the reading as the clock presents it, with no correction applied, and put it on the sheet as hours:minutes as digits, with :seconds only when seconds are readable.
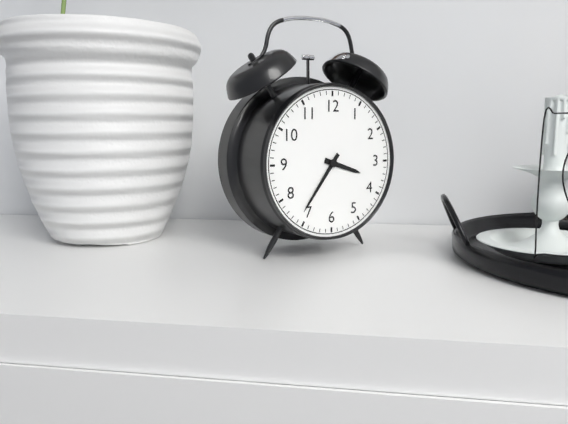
3:36
